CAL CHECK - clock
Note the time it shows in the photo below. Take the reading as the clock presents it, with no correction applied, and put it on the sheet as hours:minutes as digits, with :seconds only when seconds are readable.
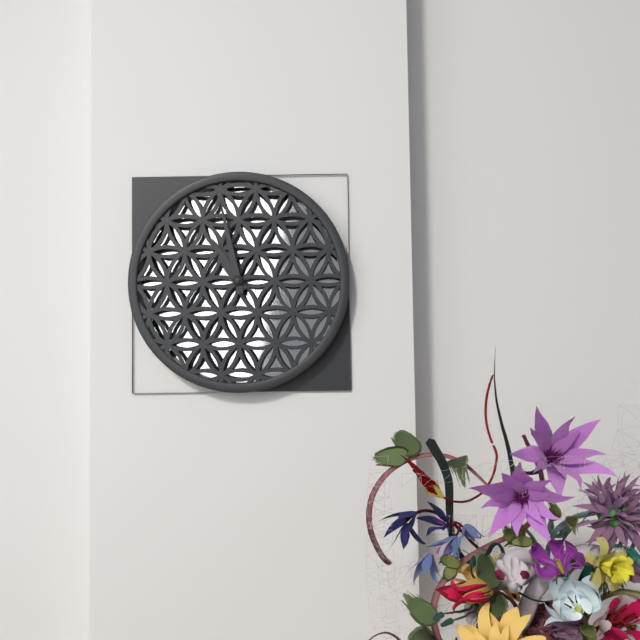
10:58
